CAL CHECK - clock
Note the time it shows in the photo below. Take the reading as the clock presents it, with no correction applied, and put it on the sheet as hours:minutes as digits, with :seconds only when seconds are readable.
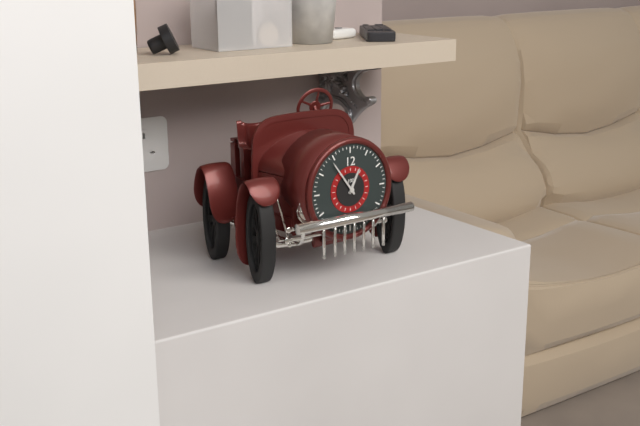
12:54
